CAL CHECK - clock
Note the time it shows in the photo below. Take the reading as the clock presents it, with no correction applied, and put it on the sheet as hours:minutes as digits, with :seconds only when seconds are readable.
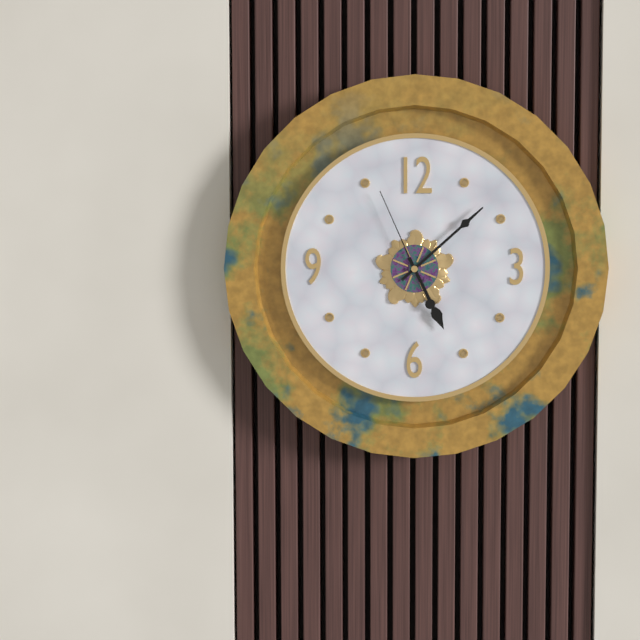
5:08:56
